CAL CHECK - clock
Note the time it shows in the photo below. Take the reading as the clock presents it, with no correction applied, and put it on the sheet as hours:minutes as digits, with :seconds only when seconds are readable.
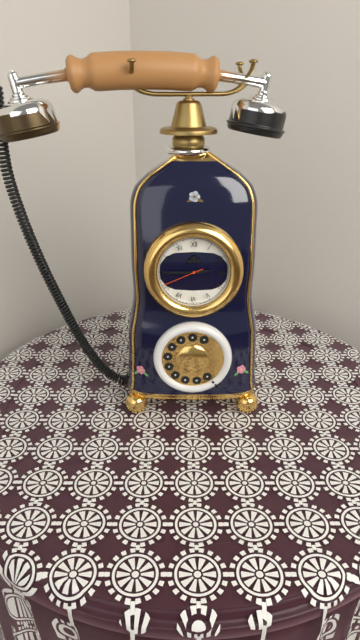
2:45
